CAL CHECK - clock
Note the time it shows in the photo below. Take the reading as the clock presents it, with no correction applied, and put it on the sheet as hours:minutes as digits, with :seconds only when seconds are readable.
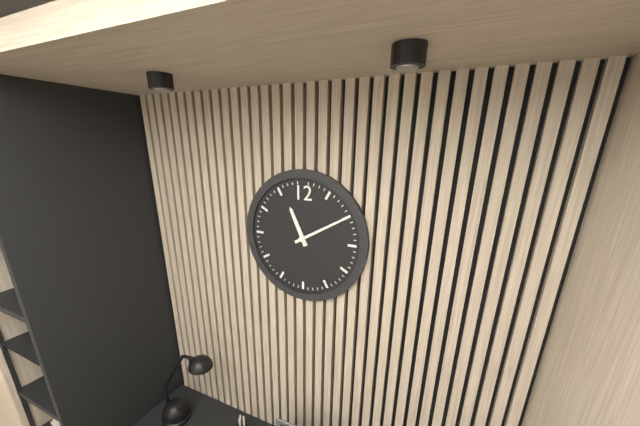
11:10
